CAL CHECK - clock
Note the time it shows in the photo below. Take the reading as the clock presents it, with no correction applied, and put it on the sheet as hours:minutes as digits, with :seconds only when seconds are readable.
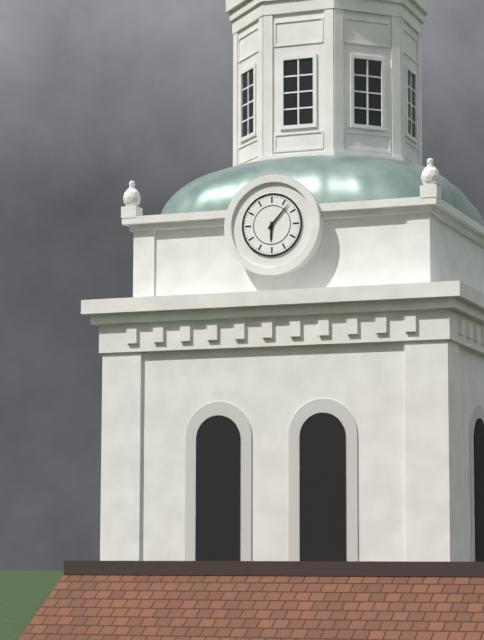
6:07
